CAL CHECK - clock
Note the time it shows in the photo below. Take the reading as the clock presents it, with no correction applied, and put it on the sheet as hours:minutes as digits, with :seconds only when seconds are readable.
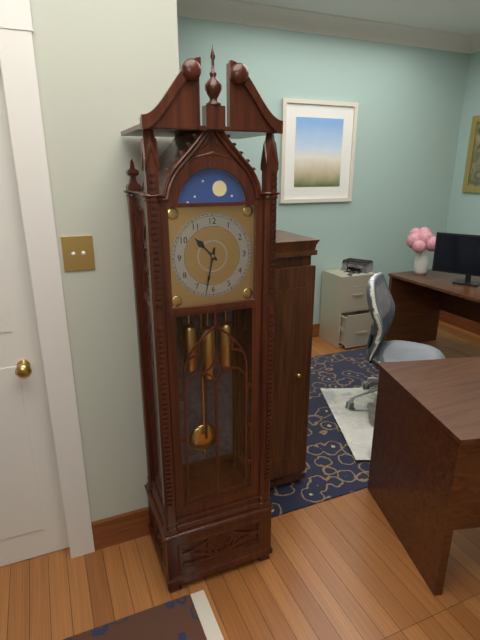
10:32
